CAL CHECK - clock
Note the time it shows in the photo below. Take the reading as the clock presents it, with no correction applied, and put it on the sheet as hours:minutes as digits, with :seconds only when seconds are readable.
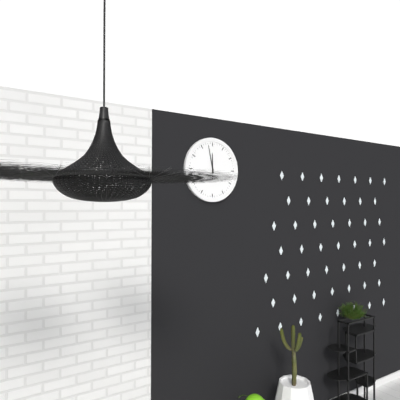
11:58
